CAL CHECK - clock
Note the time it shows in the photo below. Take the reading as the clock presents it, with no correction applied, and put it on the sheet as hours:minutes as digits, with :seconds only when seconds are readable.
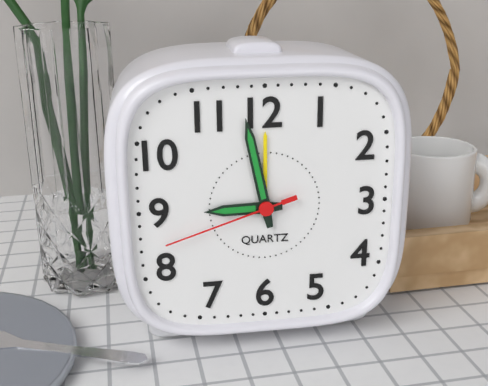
8:58:42
